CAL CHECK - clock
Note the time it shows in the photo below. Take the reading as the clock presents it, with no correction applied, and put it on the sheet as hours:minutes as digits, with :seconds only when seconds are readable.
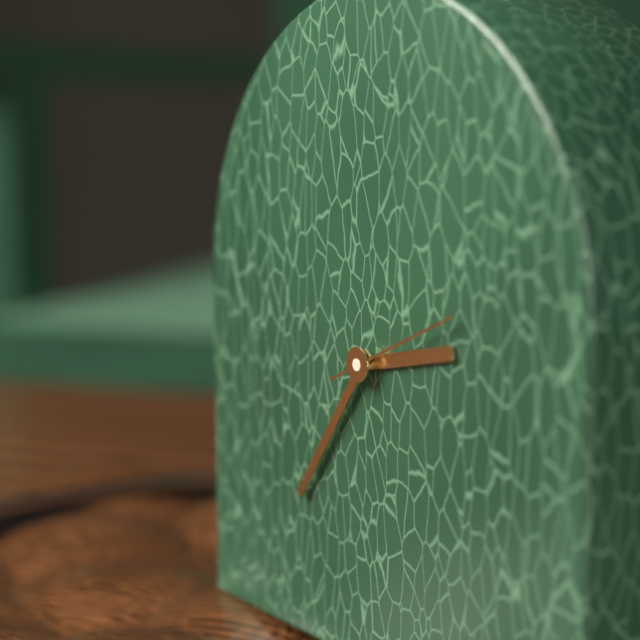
2:36:11
